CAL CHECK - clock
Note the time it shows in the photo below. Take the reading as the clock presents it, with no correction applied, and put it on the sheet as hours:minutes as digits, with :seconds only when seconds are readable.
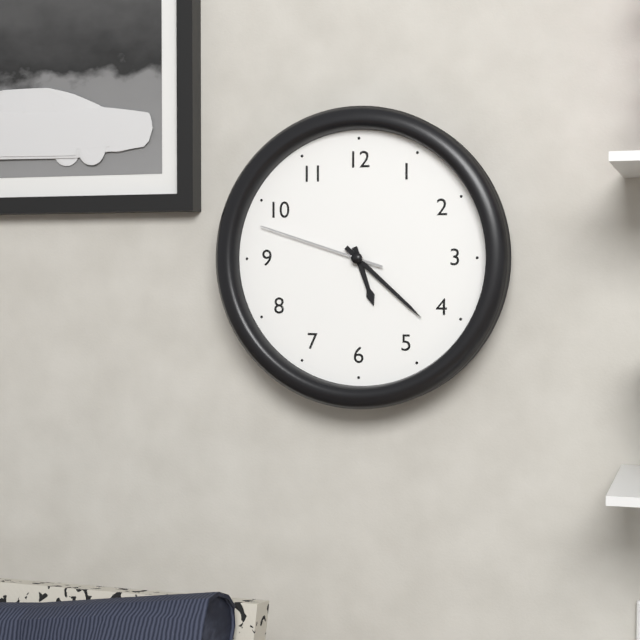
5:22:48
